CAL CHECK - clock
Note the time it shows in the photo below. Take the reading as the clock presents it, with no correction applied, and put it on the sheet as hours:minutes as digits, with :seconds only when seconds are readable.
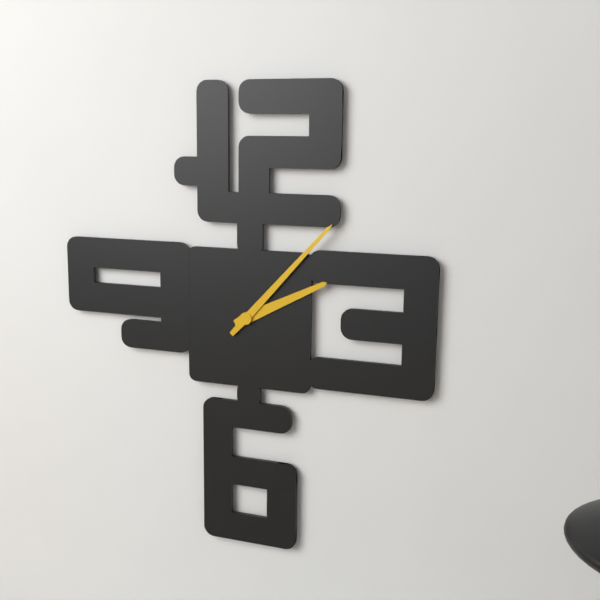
2:07
